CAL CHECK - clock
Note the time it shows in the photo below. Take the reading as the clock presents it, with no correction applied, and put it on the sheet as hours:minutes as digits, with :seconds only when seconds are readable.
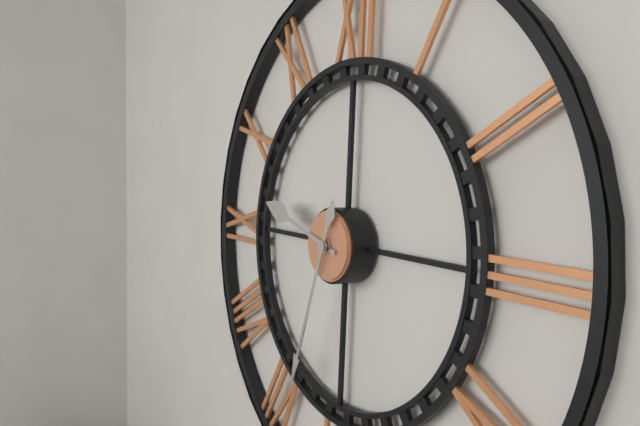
9:33
